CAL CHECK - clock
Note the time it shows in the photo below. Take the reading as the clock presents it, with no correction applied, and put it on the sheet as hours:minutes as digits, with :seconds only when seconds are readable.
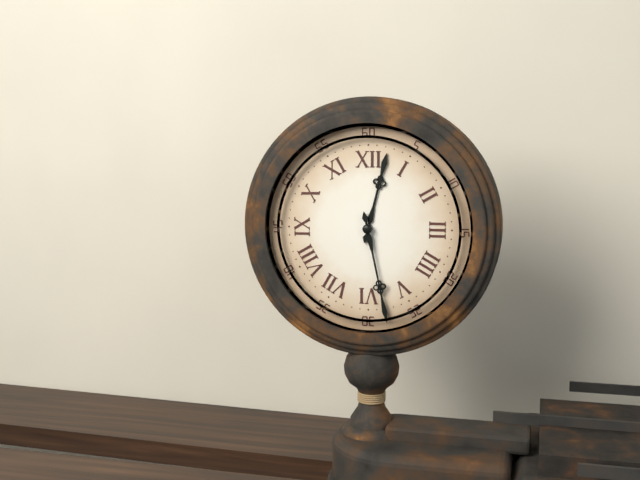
12:28
